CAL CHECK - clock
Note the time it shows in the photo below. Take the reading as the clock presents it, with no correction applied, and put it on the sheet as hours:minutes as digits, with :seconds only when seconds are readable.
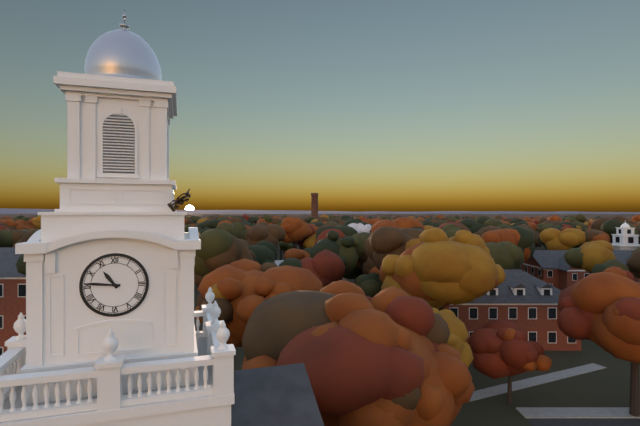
10:46
